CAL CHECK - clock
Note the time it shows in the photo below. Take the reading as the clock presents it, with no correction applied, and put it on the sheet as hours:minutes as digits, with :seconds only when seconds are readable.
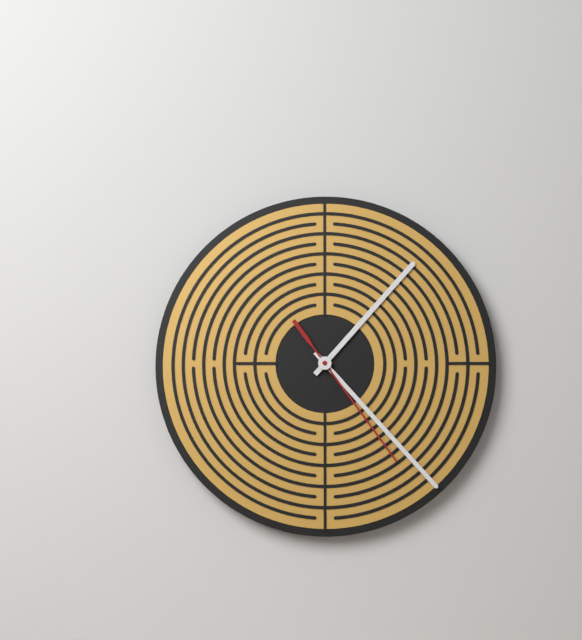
1:23:24
